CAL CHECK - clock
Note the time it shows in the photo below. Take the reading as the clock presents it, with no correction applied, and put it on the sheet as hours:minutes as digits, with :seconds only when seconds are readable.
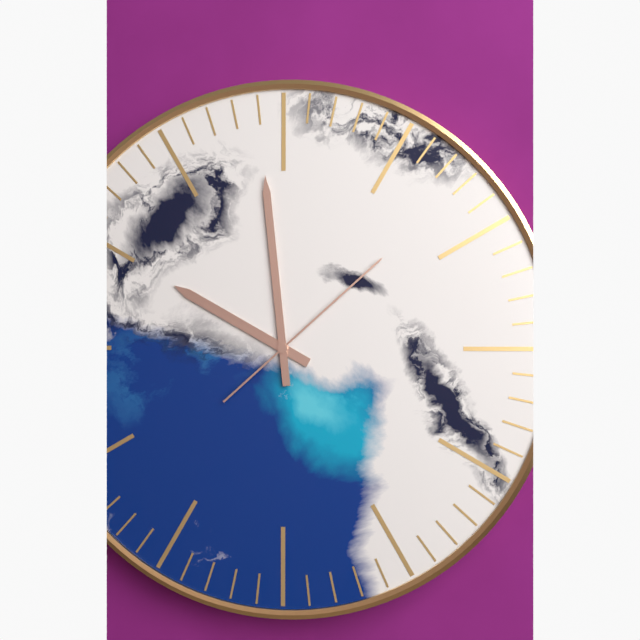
9:59:08
